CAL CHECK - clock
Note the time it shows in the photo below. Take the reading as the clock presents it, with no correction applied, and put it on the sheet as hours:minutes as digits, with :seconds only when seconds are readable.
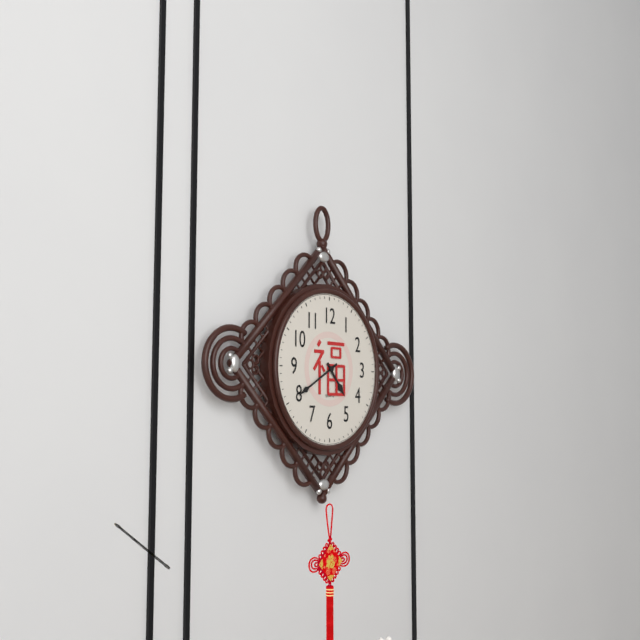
4:40
